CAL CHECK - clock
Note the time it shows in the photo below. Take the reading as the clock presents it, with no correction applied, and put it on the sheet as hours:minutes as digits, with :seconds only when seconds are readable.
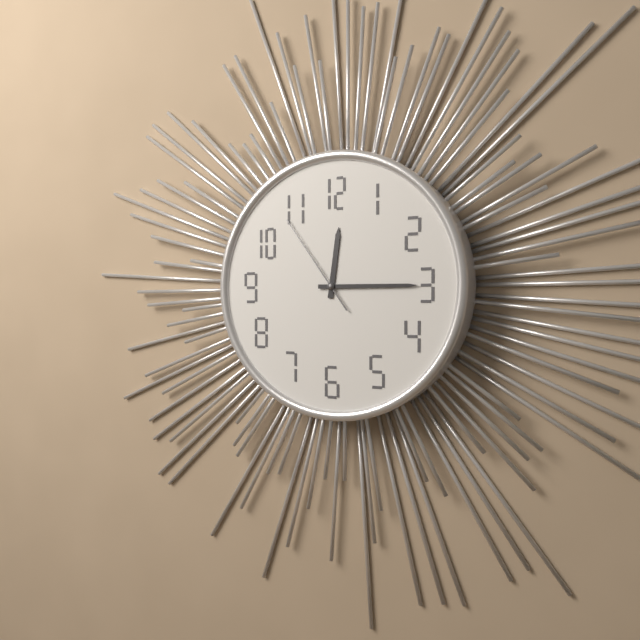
12:15:54
